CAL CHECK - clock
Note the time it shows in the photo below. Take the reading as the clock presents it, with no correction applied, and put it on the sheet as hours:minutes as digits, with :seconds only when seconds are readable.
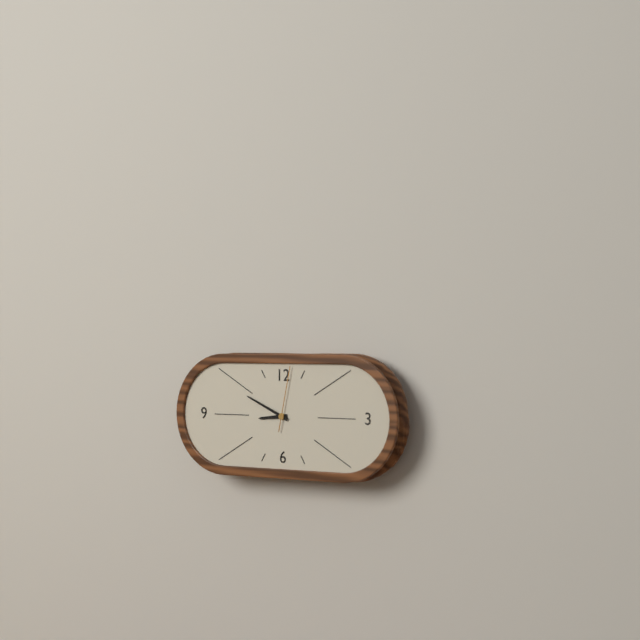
8:49:02
